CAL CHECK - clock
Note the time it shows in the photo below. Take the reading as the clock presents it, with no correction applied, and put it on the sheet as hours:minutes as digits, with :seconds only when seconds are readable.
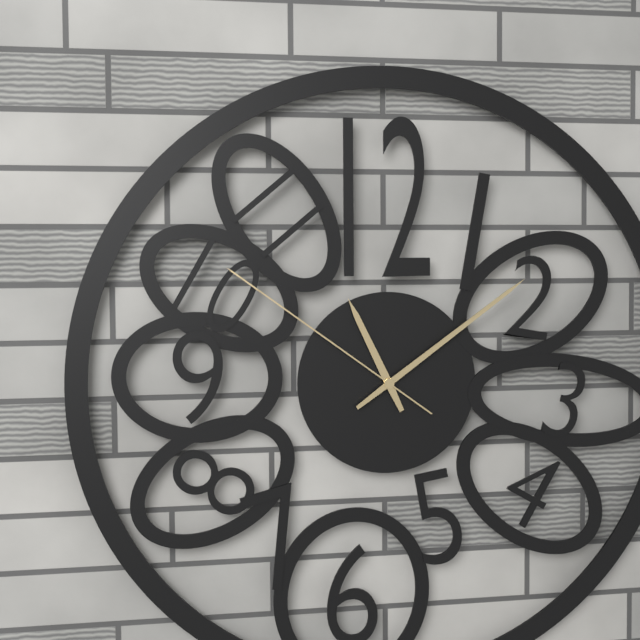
11:09:51
